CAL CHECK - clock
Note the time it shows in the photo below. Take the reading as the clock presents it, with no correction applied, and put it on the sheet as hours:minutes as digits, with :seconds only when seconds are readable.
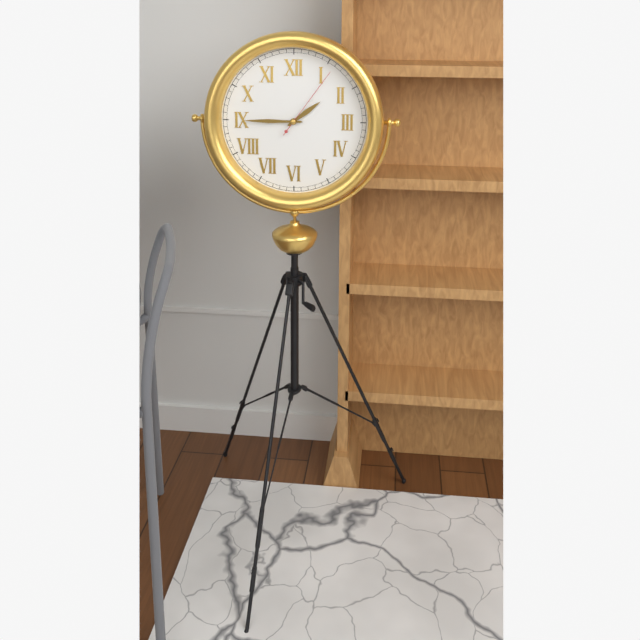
1:45:06
